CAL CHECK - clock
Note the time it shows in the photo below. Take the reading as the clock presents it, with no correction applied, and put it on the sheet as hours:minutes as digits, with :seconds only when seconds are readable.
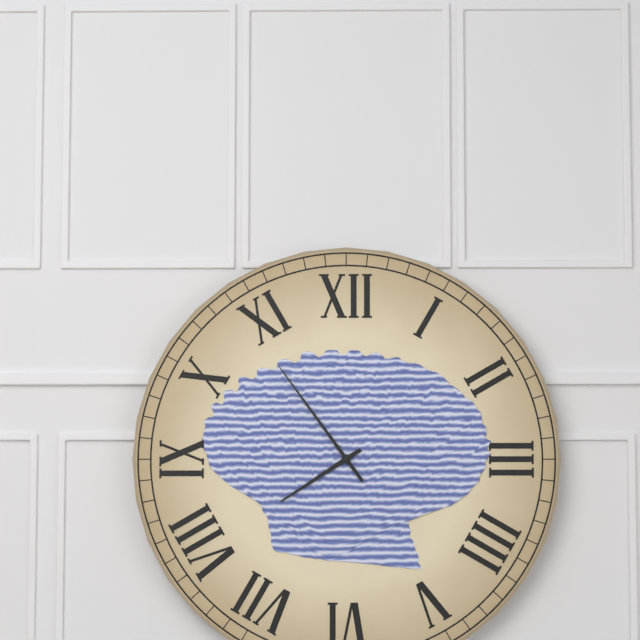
7:54
